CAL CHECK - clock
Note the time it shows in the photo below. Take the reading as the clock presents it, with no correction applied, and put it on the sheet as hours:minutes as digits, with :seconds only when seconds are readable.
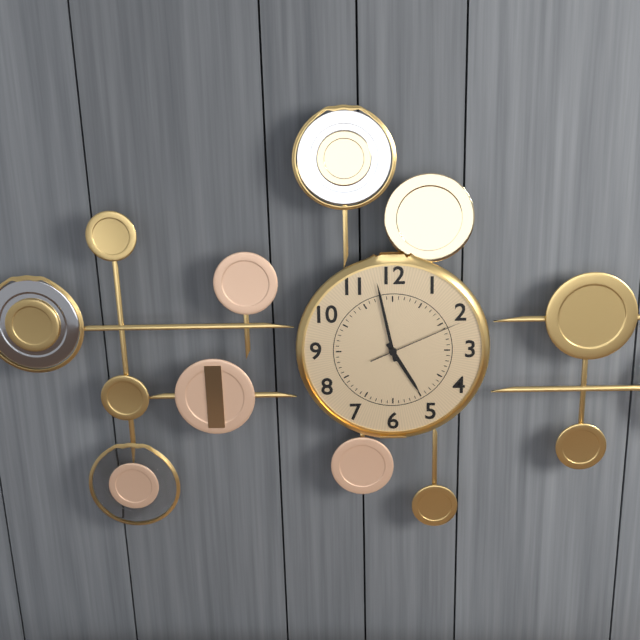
4:58:11
